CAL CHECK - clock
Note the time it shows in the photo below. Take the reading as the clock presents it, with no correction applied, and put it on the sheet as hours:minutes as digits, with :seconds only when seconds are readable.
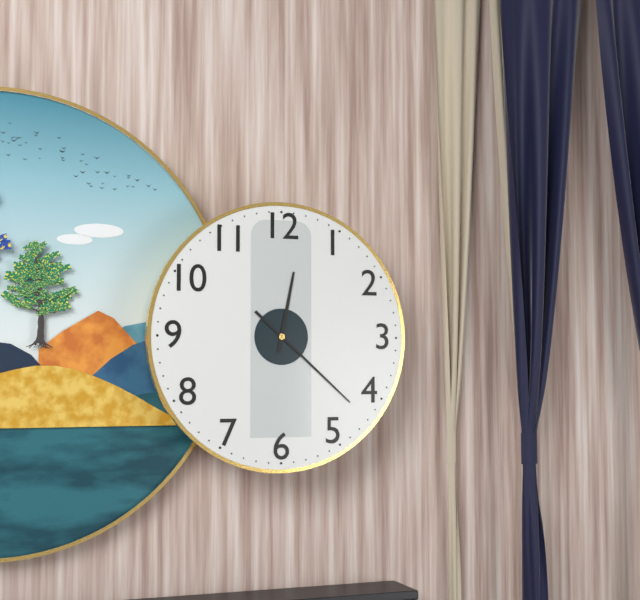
12:22
